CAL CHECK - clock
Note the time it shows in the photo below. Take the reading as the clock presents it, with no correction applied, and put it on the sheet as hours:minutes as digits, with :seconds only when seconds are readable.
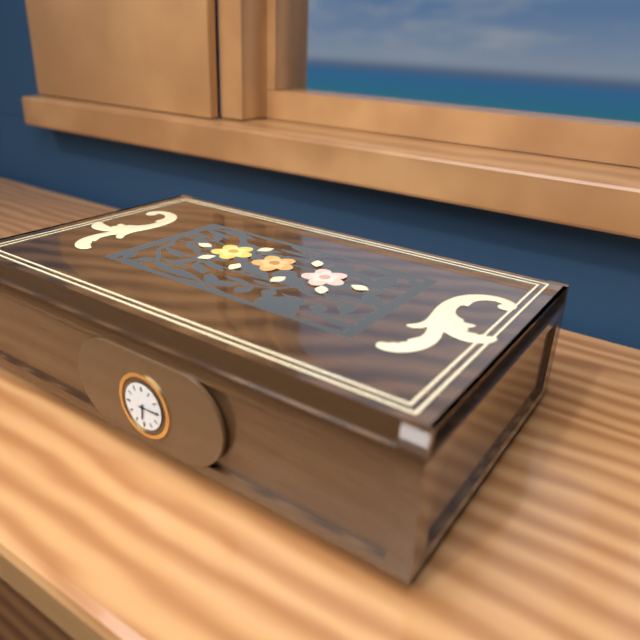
6:15:14
